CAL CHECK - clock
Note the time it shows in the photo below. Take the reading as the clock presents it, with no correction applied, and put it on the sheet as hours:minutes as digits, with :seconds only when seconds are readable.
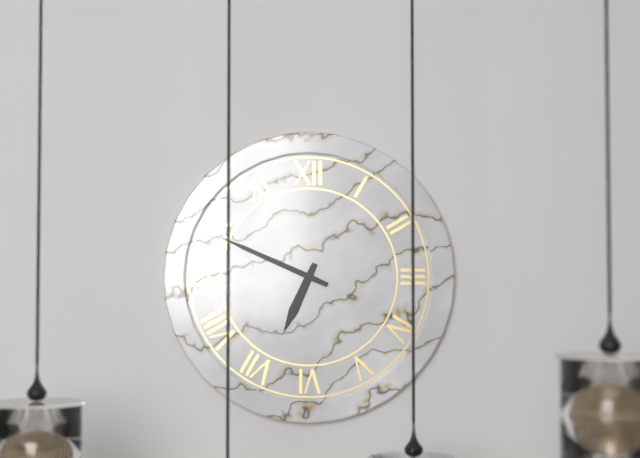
6:49
